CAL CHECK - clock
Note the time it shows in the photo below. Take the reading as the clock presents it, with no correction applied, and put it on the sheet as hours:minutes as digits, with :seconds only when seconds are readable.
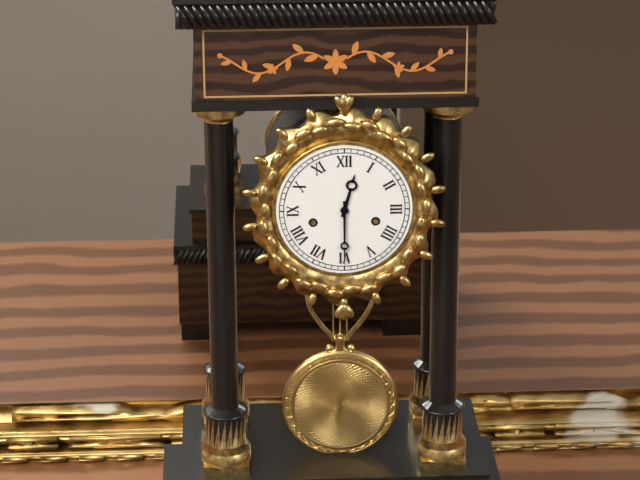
12:30
